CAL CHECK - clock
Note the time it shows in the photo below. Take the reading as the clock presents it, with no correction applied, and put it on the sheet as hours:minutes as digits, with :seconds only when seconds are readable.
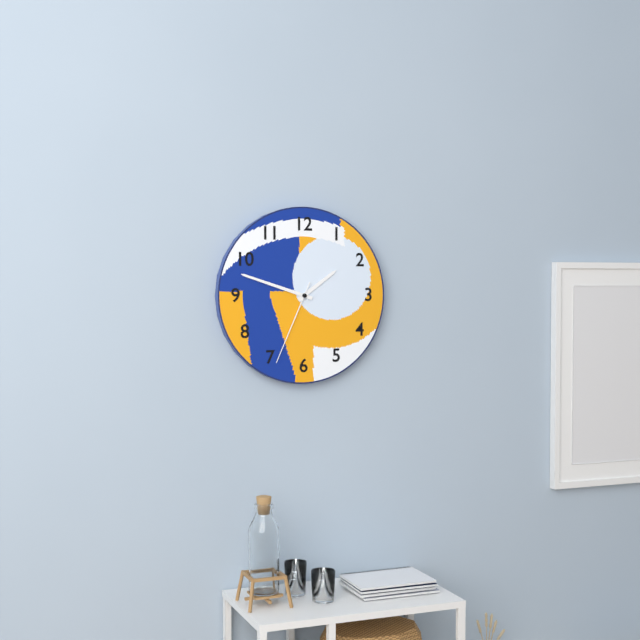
1:48:34
